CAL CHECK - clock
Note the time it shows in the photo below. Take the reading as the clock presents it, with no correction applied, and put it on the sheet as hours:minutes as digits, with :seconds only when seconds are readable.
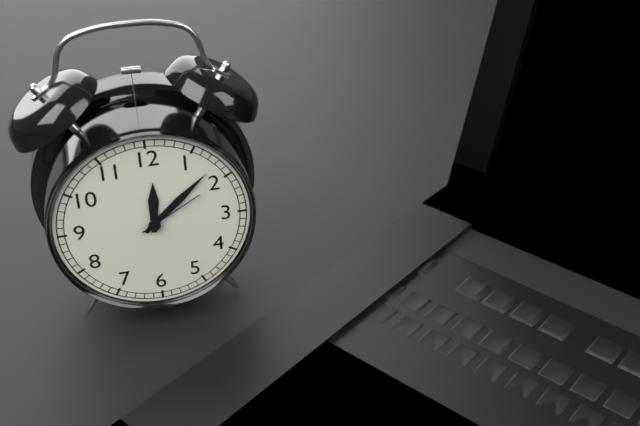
12:08:10
